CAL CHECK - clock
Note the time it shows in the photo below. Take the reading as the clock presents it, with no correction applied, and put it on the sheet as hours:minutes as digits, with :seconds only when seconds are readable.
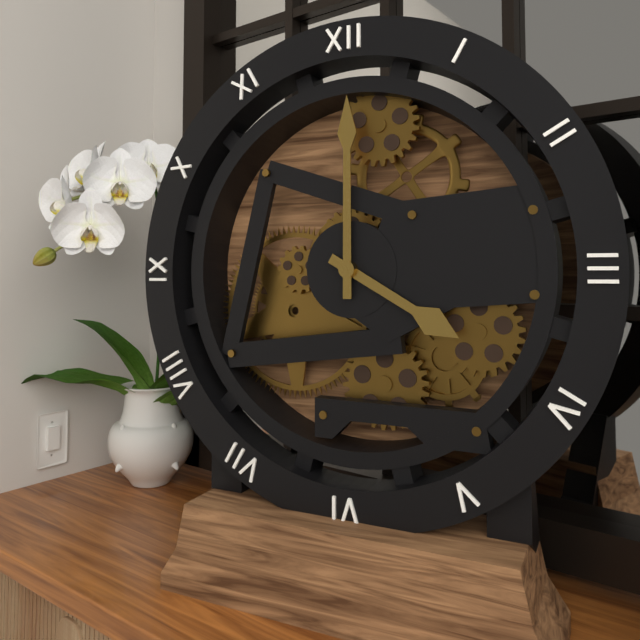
4:00
